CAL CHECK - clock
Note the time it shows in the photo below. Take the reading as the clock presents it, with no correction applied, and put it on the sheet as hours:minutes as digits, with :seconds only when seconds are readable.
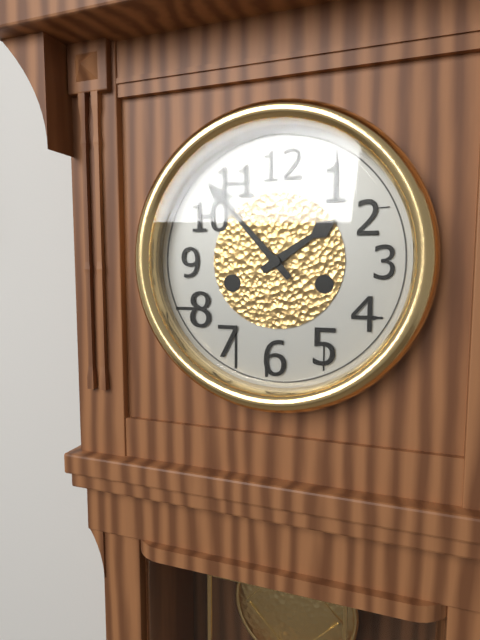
1:53
